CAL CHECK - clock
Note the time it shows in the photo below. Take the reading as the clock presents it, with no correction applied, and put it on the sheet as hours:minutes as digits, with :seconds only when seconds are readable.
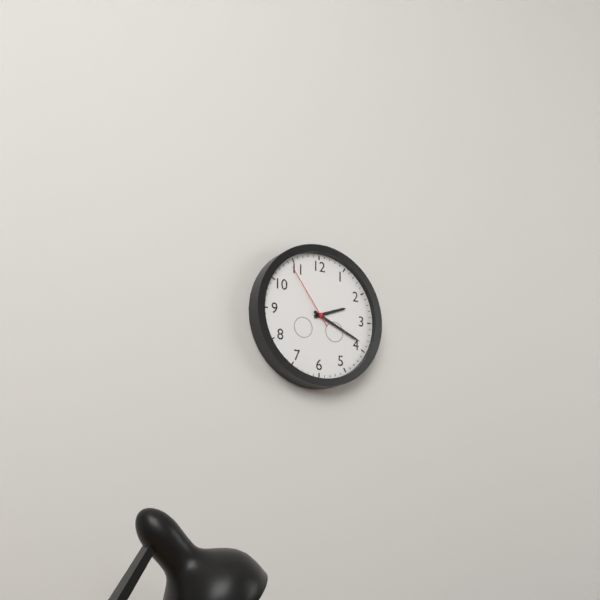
2:19:54
